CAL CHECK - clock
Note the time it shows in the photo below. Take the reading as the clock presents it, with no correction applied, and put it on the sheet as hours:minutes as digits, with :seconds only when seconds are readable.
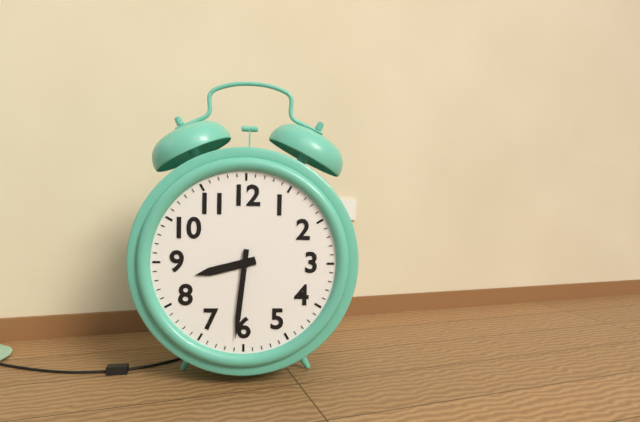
8:31
